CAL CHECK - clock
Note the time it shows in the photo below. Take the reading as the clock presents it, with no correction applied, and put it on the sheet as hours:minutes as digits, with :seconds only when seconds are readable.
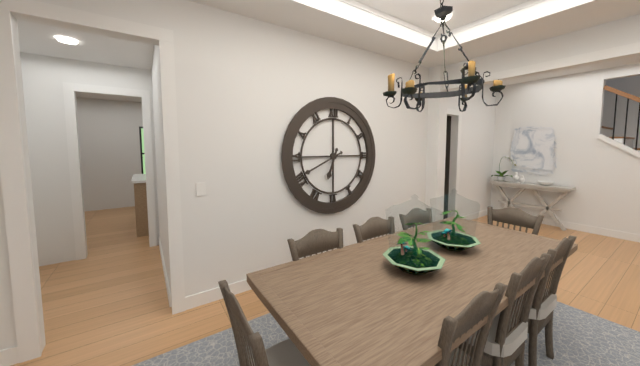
6:41
